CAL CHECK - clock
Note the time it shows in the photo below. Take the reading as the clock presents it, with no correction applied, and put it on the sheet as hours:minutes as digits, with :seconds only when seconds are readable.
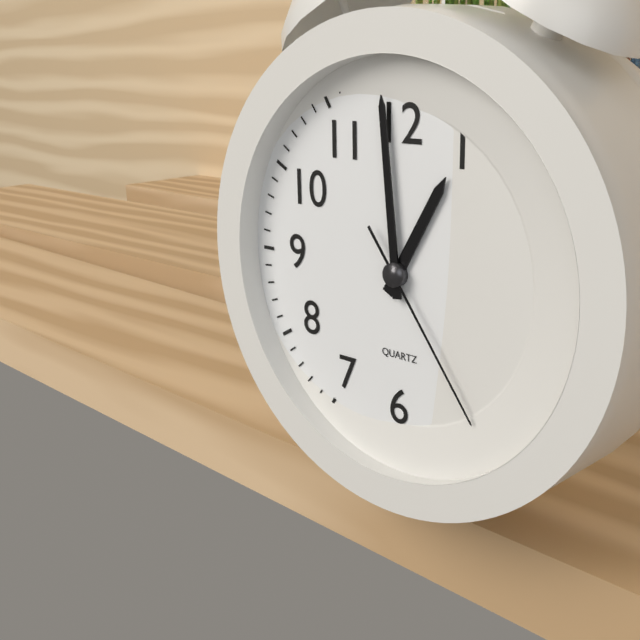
12:59:24
